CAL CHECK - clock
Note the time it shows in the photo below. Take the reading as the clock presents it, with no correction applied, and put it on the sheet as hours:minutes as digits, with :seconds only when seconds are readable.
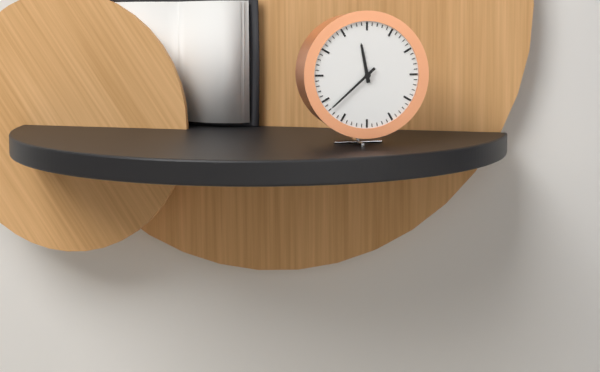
11:38
